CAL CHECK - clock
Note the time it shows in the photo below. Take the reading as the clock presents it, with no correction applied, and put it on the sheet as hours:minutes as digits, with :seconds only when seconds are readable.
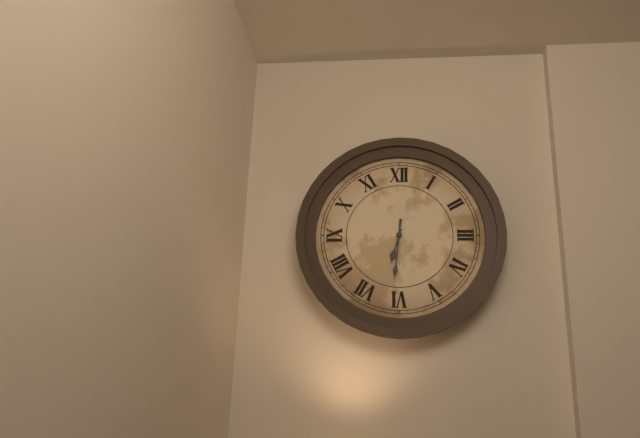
6:31
